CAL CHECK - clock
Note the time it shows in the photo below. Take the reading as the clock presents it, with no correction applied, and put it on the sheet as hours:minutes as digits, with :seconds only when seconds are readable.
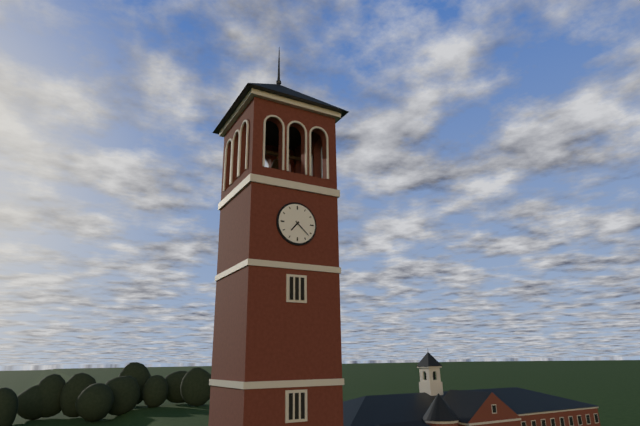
7:22
